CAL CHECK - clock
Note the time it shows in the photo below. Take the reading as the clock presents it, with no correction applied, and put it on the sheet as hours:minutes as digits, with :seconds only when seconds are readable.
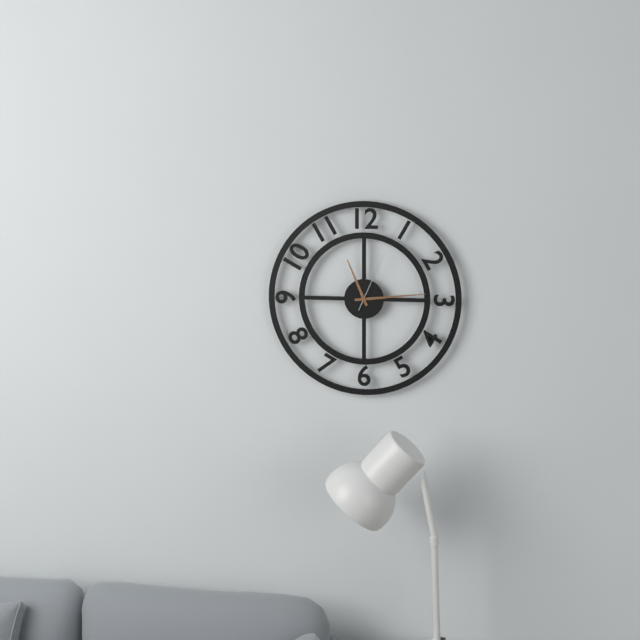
11:14:04
